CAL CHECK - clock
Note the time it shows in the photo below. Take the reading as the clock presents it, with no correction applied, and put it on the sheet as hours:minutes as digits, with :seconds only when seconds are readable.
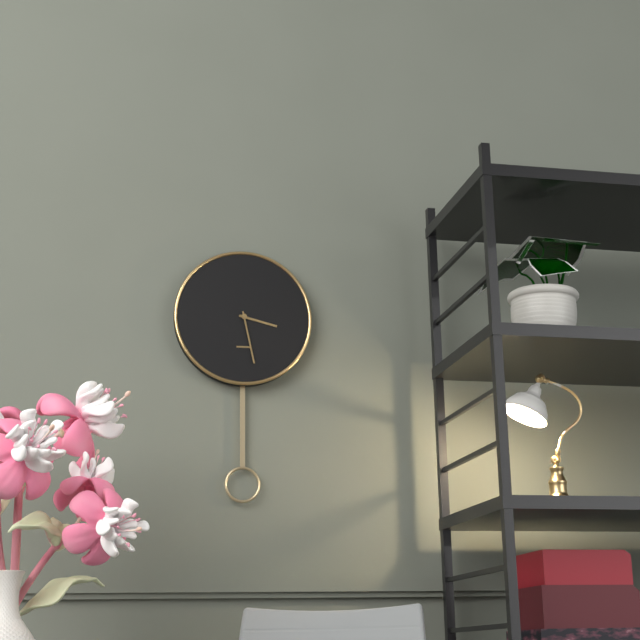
3:28
